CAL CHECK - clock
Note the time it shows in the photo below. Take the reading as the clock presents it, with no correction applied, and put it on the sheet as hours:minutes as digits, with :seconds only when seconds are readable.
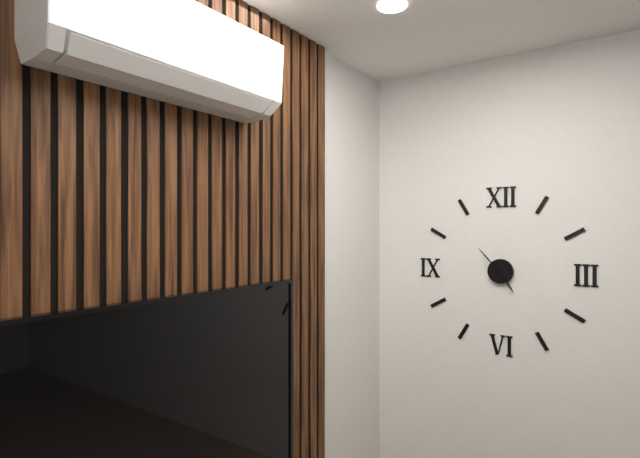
4:53
